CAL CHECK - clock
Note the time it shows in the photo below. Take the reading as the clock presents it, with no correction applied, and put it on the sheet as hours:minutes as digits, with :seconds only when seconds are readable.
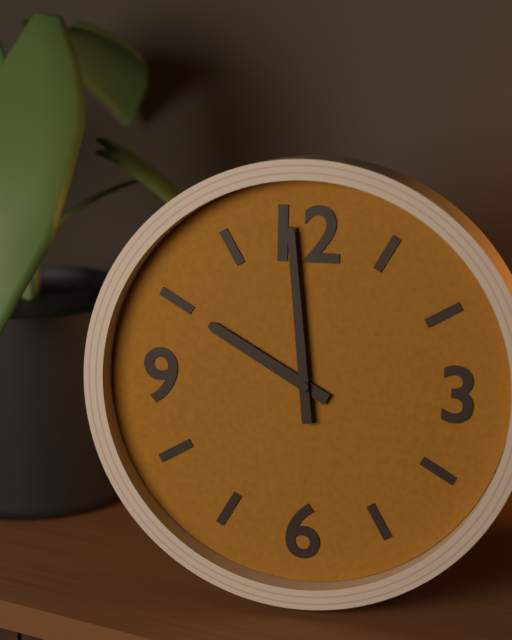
9:59
